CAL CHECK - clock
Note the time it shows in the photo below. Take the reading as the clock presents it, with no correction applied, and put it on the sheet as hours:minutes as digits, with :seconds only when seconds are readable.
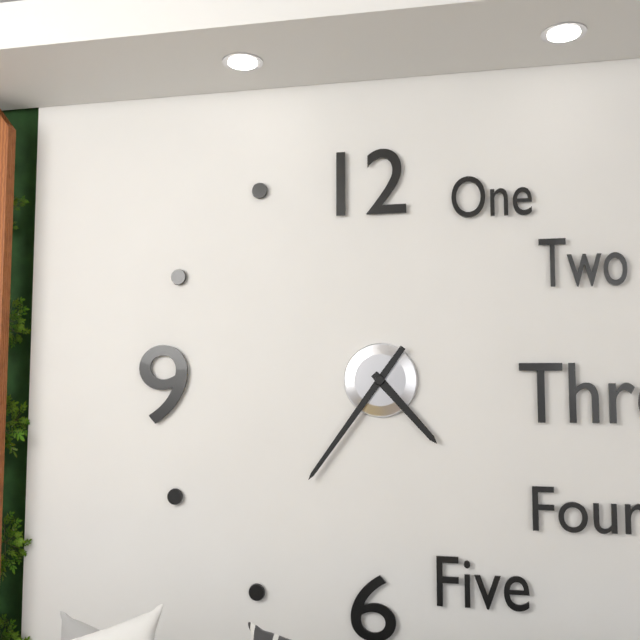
4:36
